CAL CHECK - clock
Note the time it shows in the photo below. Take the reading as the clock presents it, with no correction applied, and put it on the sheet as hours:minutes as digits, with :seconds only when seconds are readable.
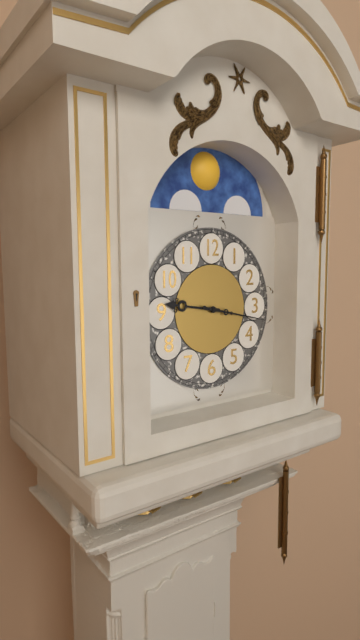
9:17
